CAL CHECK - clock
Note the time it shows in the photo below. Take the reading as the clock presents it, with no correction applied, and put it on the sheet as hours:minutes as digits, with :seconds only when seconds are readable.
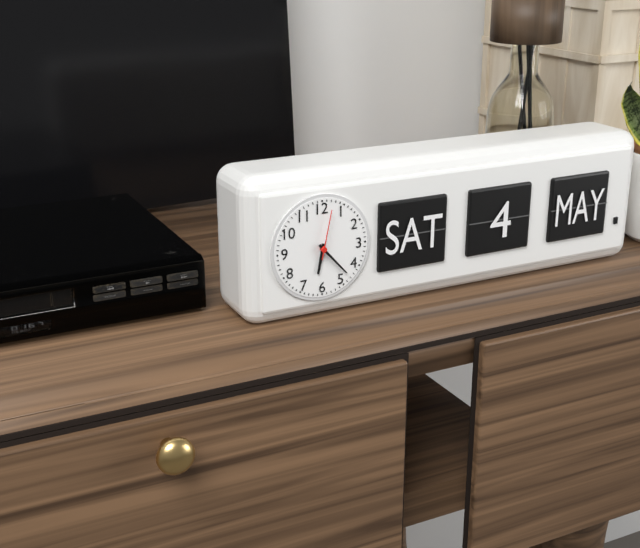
6:23:02
